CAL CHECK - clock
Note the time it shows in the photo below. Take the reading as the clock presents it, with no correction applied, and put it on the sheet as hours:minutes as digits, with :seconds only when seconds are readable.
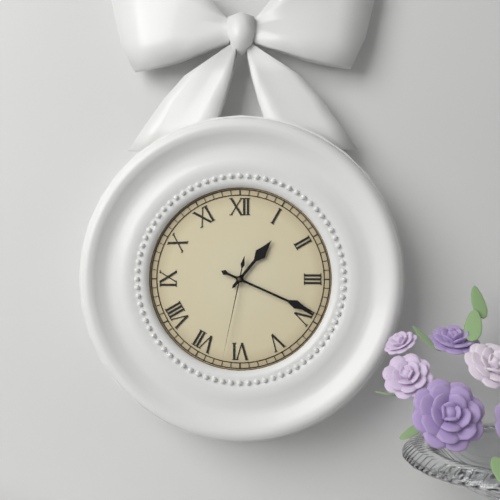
1:19:32
